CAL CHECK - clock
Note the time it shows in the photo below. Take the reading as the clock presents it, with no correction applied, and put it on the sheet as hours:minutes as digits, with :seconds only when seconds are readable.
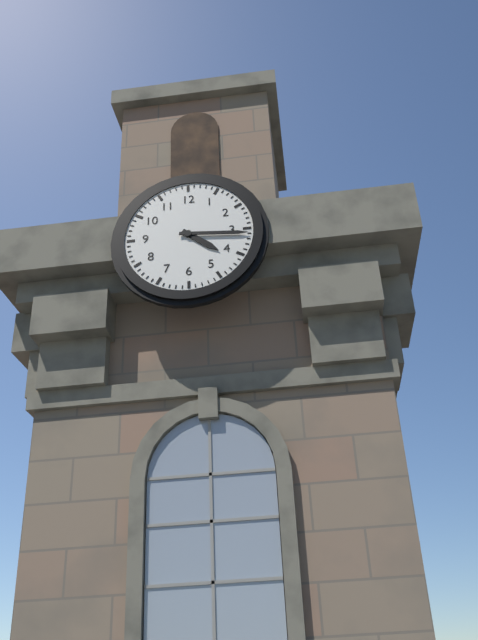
4:16
